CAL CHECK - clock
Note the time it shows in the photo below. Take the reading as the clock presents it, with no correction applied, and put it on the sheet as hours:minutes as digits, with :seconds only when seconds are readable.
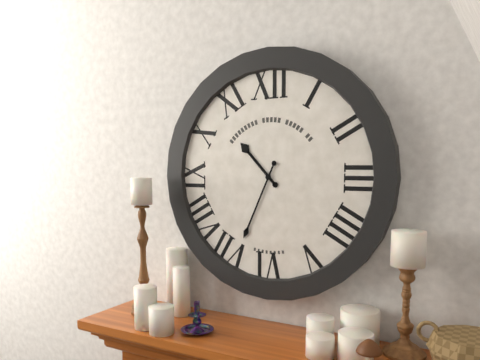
10:34
